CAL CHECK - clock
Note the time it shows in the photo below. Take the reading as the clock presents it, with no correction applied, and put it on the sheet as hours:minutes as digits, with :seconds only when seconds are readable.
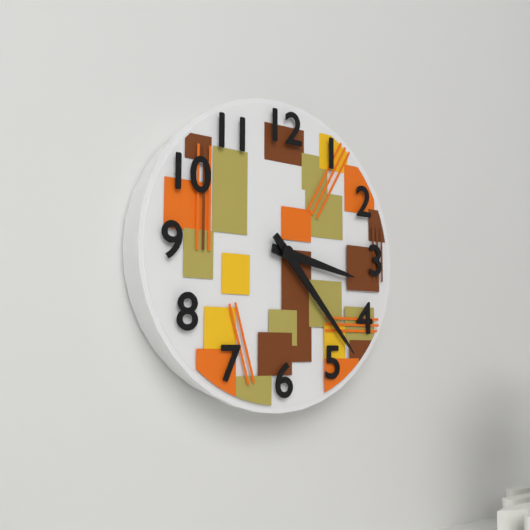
3:23
